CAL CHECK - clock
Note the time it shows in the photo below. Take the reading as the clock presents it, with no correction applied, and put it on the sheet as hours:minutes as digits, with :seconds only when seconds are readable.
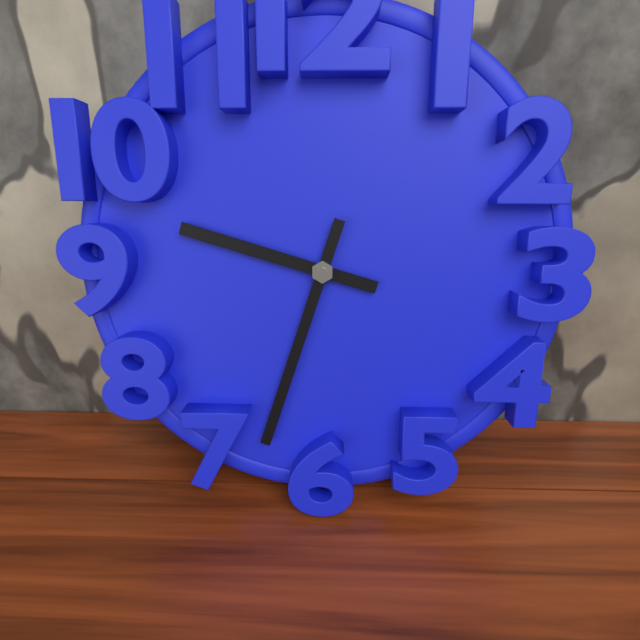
9:33
